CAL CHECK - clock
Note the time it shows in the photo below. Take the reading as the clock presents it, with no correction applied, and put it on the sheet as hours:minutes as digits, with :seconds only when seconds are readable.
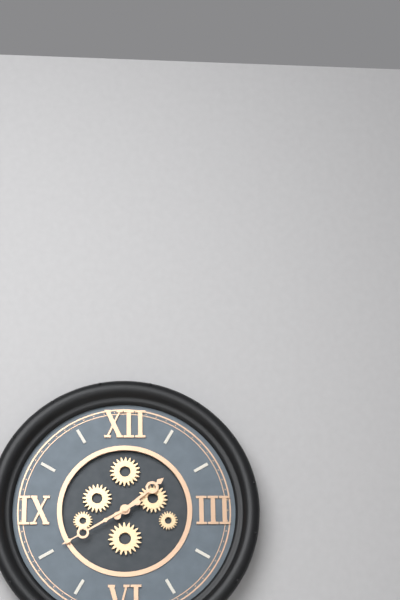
1:40
